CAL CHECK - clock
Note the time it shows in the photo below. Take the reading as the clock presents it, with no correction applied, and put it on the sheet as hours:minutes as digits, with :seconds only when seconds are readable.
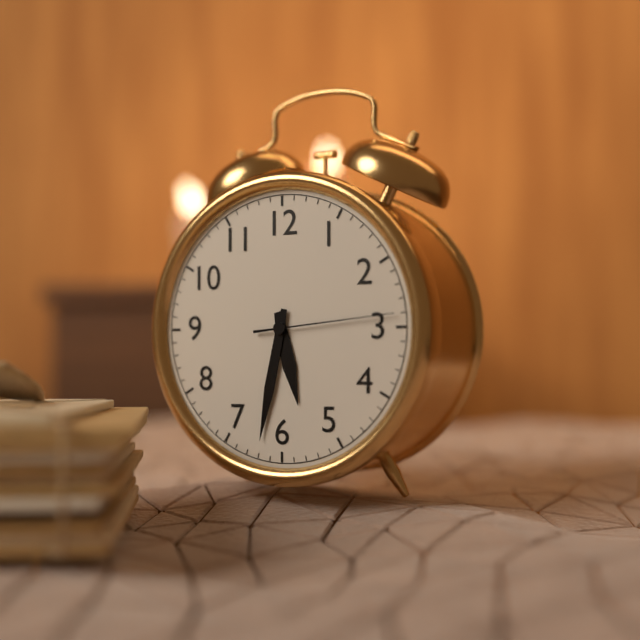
5:32:14
